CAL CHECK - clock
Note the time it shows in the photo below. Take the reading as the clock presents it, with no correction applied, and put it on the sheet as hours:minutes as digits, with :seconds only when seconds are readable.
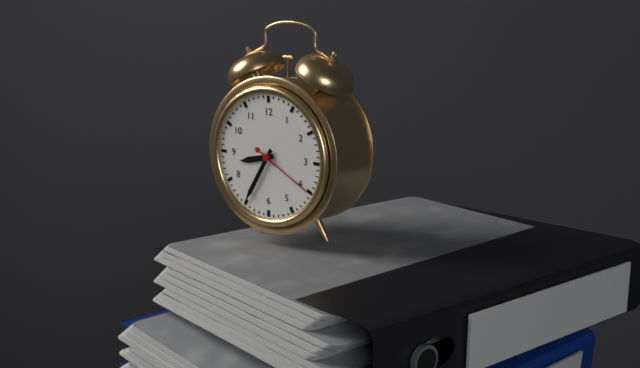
8:35:20
